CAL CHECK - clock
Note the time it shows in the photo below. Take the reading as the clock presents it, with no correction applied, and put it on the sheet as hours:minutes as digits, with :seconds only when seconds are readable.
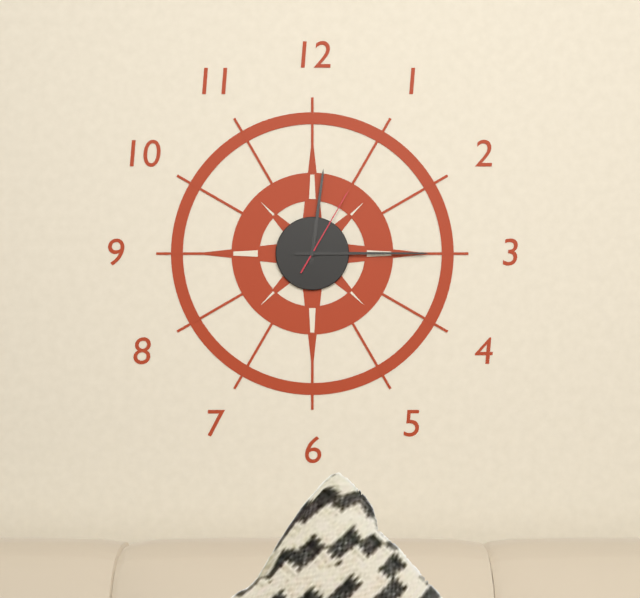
12:15:05
